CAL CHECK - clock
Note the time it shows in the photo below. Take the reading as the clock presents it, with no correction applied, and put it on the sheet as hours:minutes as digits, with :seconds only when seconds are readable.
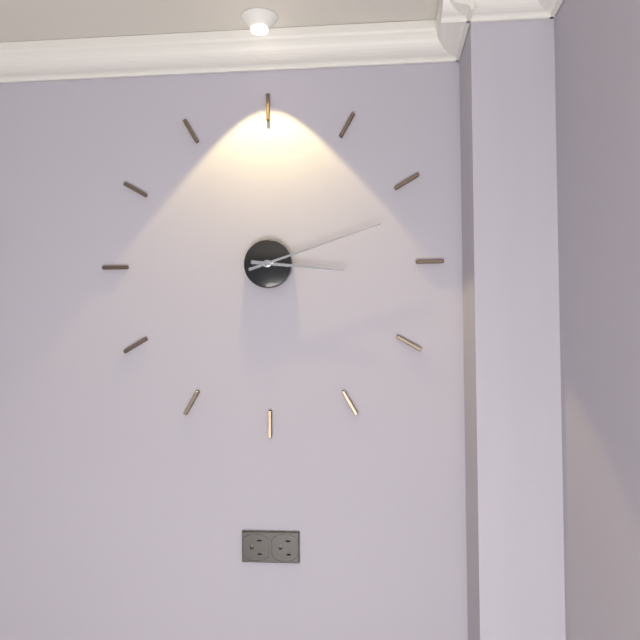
3:12
